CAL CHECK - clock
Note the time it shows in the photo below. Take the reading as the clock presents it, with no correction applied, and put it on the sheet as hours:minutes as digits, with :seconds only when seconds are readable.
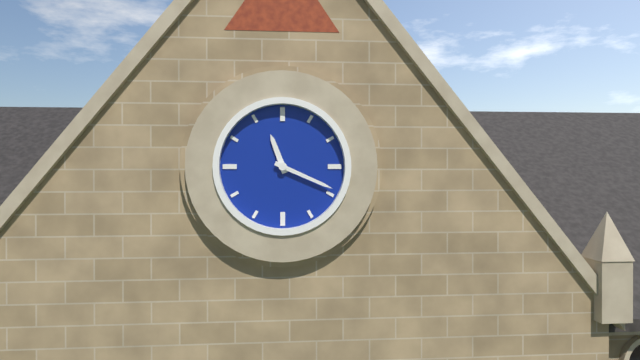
11:19
